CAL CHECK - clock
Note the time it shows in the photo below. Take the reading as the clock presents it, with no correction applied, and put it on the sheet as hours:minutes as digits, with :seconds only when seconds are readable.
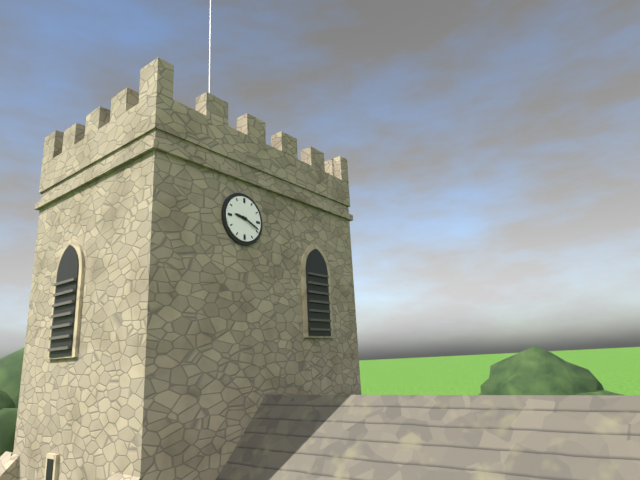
9:19
